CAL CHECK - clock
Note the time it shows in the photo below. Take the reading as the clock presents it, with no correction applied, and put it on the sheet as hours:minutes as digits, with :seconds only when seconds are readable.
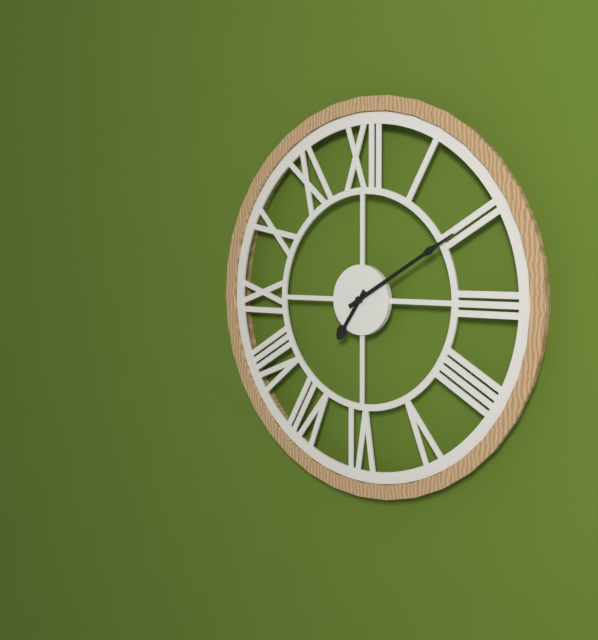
7:10
